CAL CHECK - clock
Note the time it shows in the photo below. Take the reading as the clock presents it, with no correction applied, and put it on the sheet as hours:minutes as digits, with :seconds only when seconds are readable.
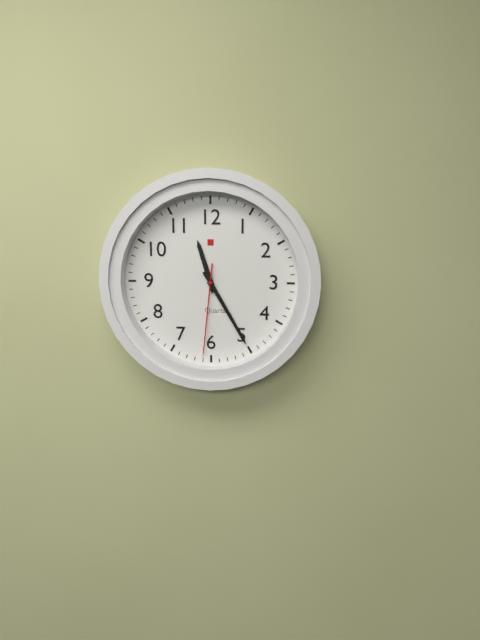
11:25:31
